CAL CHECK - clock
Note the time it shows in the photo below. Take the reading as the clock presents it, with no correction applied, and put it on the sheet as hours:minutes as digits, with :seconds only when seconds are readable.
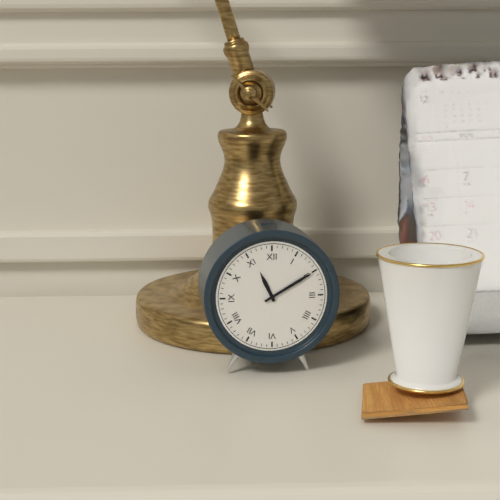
11:10
